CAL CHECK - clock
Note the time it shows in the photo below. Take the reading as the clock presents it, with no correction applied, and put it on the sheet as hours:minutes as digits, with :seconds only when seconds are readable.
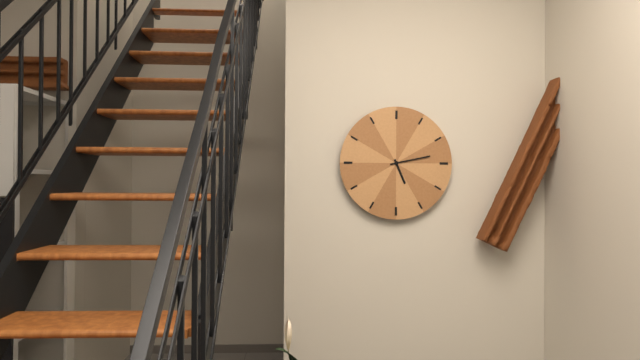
5:13
